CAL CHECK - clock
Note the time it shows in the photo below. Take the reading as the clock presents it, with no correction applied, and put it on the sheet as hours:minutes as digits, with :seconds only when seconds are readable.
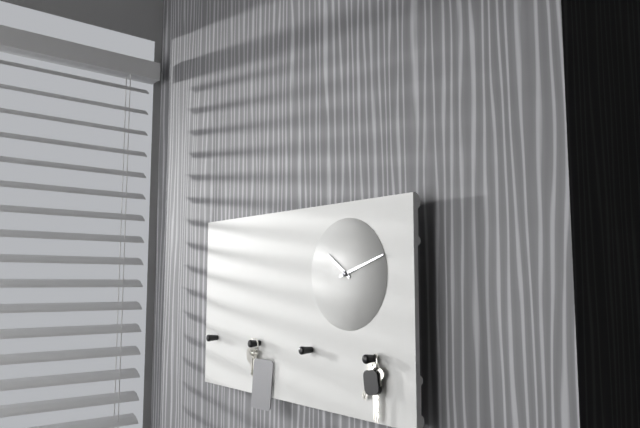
10:12
